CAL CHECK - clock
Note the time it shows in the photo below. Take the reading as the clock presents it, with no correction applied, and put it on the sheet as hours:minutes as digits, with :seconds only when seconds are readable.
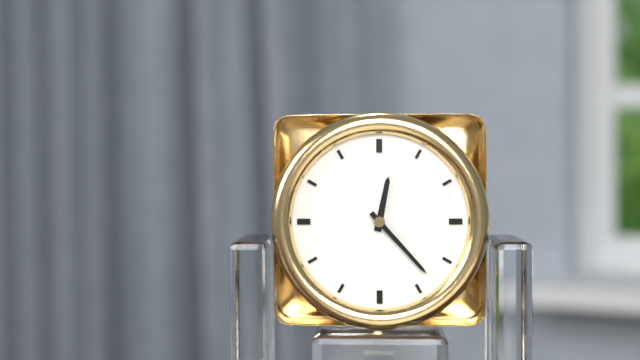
12:23
